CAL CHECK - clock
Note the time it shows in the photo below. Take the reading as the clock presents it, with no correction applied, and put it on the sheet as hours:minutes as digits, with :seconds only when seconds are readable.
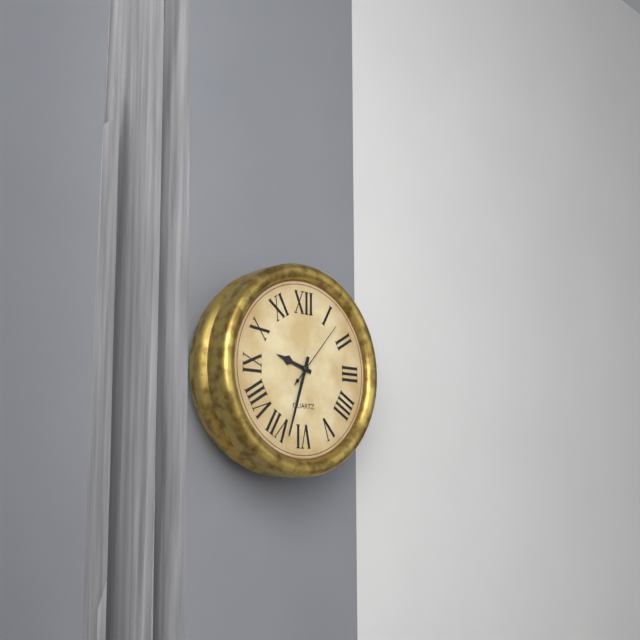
9:33:07
